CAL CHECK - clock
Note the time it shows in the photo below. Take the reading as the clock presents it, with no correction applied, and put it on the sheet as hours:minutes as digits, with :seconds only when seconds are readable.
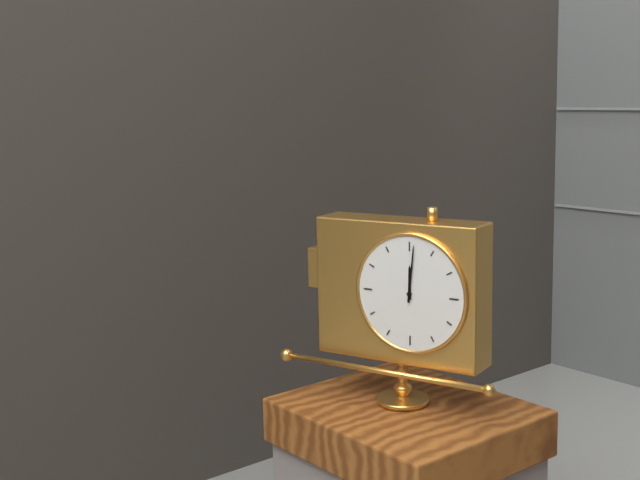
12:01
